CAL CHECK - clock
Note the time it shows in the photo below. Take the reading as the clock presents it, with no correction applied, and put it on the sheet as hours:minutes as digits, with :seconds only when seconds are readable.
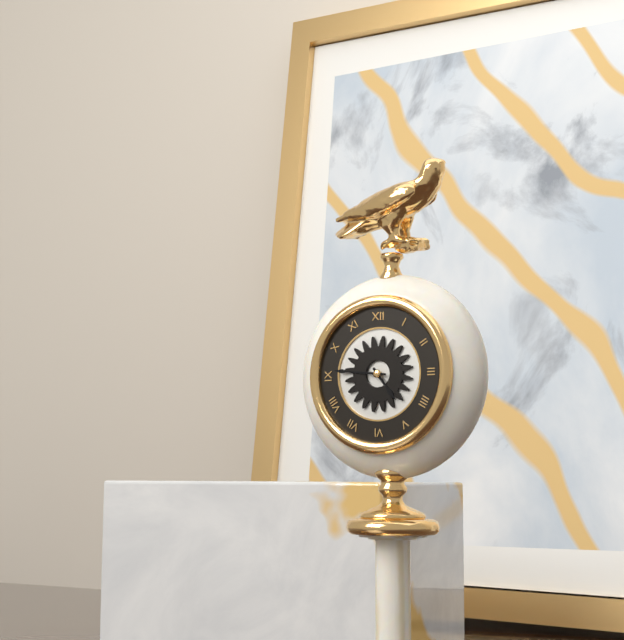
4:46
